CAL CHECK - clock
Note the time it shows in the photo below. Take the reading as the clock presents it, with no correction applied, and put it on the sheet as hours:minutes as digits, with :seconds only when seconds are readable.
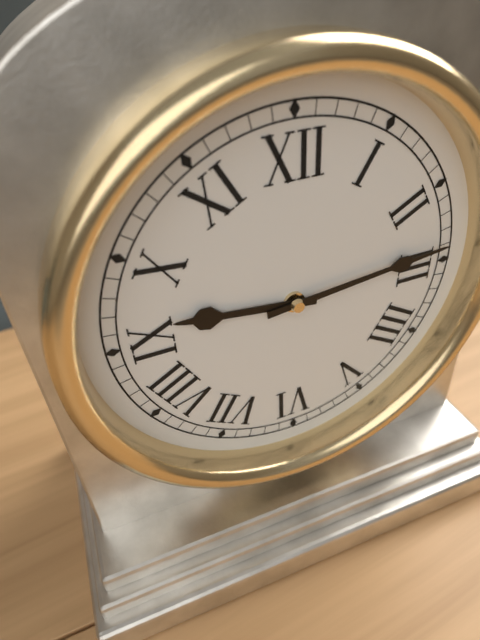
9:14
